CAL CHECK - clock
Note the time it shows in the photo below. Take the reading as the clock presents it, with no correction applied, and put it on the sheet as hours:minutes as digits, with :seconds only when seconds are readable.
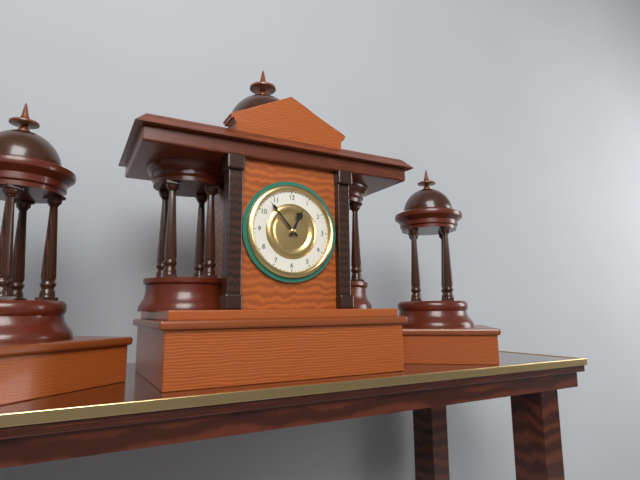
12:53
